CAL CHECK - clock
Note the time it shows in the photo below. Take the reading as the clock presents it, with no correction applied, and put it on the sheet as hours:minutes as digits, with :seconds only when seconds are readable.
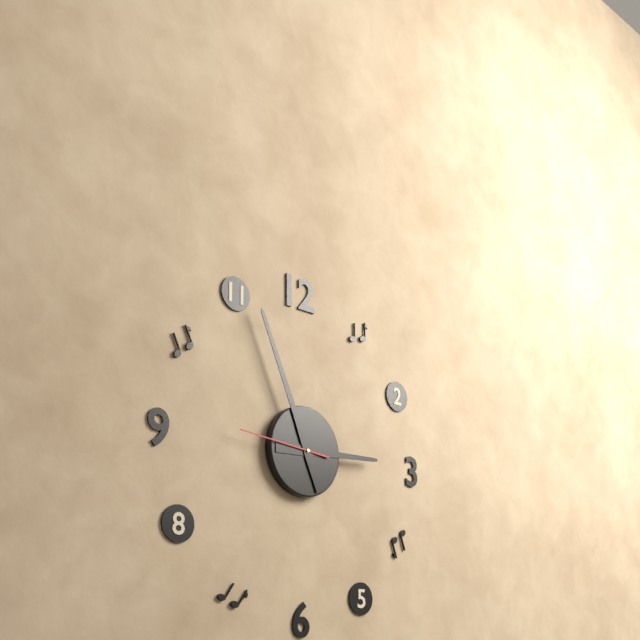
2:56:46
